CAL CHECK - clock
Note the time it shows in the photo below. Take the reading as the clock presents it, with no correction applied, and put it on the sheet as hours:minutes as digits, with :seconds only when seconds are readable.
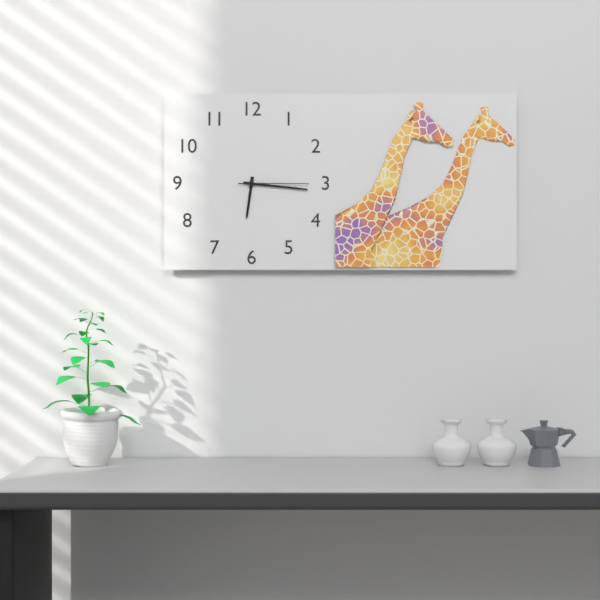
6:16:15
